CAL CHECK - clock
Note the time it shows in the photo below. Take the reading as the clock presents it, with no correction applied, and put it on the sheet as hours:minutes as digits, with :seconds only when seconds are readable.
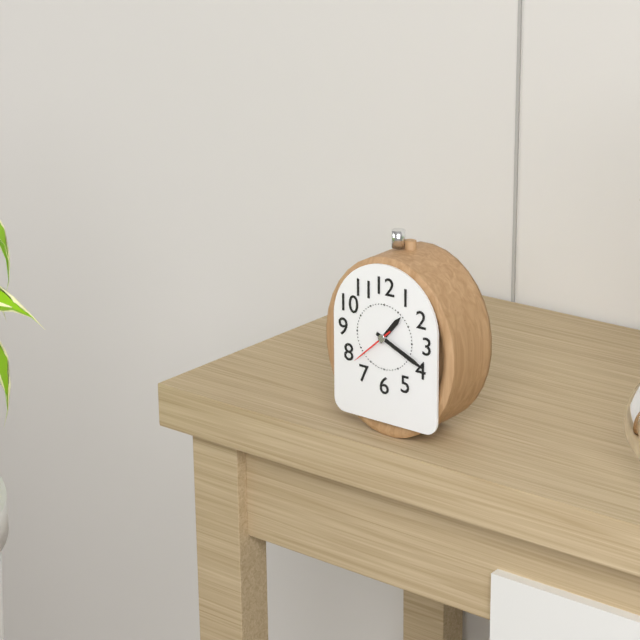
1:19
